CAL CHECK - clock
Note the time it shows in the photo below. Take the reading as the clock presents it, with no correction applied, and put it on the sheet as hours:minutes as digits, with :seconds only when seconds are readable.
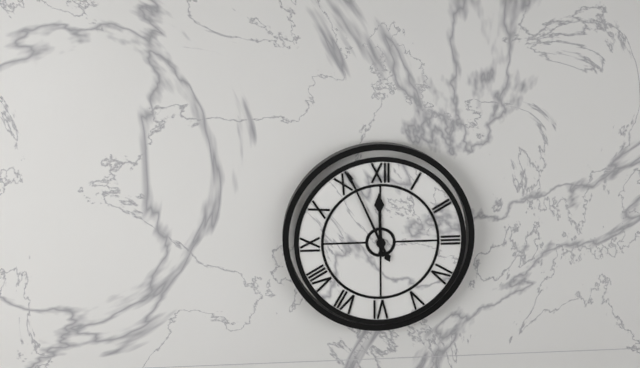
11:56
